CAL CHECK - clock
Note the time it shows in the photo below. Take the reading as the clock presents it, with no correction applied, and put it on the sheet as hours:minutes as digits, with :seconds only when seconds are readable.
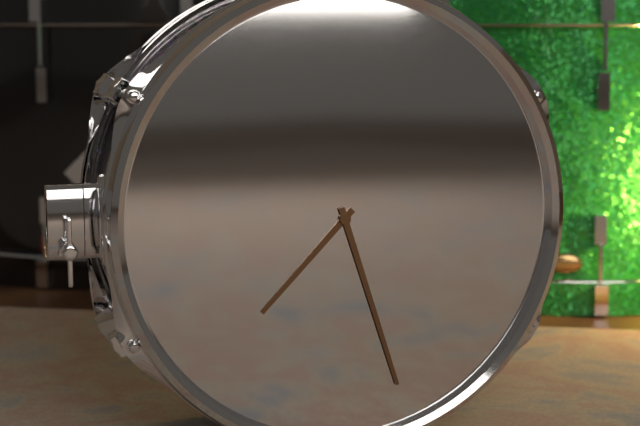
7:27
